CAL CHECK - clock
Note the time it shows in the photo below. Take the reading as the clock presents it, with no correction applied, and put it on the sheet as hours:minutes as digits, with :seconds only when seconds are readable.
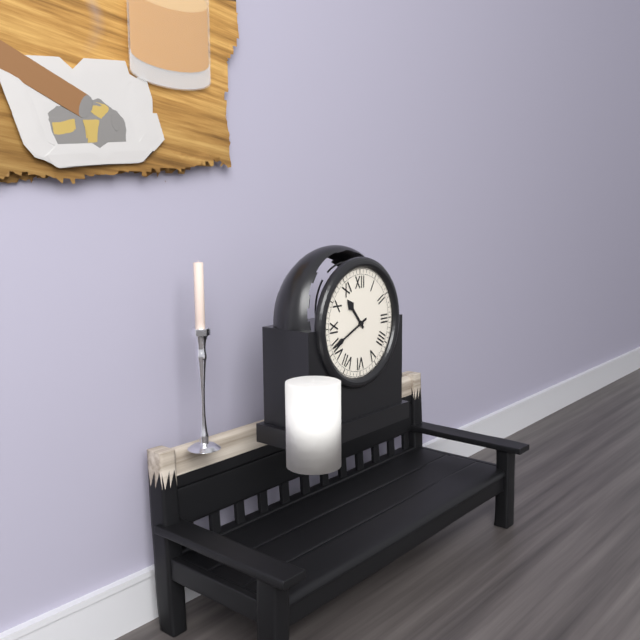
10:41
